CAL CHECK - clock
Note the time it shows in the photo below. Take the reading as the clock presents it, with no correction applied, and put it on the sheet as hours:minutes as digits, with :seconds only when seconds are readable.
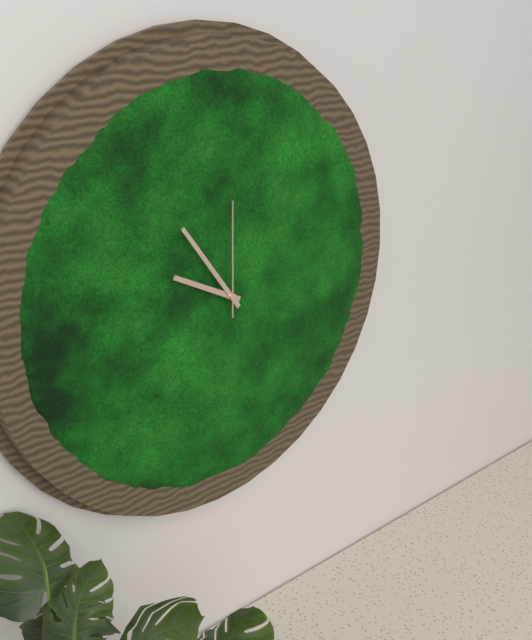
9:54:00
